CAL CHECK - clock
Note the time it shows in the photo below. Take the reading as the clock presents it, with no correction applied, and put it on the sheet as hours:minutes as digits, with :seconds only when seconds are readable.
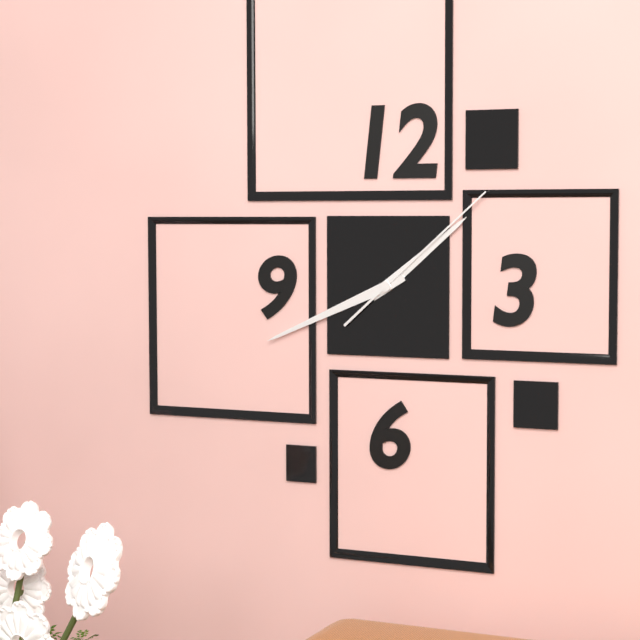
1:41:08
